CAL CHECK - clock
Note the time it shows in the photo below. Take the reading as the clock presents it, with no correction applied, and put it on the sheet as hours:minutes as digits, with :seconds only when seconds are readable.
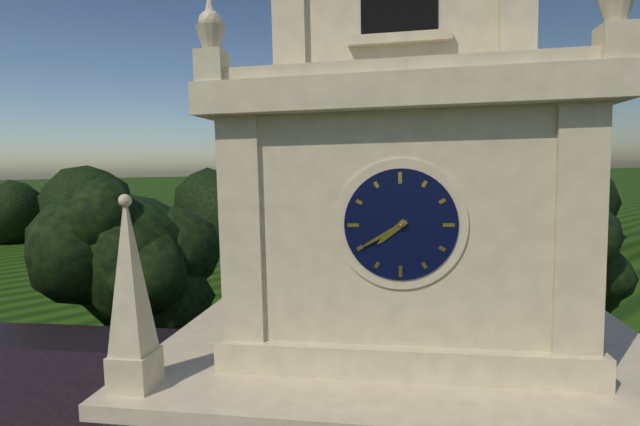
7:40
